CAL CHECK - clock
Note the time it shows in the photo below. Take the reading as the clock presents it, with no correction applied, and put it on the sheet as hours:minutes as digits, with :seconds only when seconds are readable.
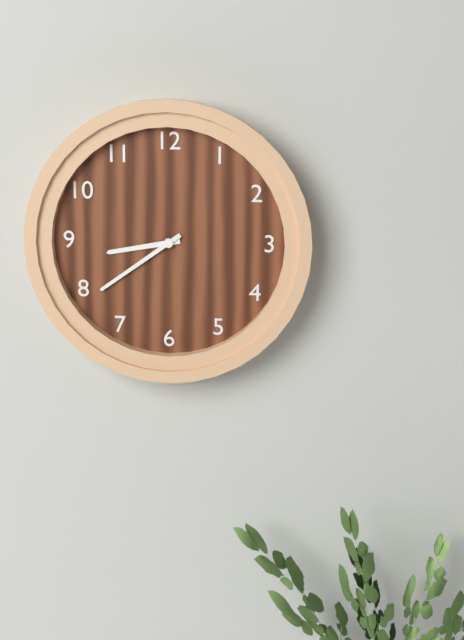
8:39
